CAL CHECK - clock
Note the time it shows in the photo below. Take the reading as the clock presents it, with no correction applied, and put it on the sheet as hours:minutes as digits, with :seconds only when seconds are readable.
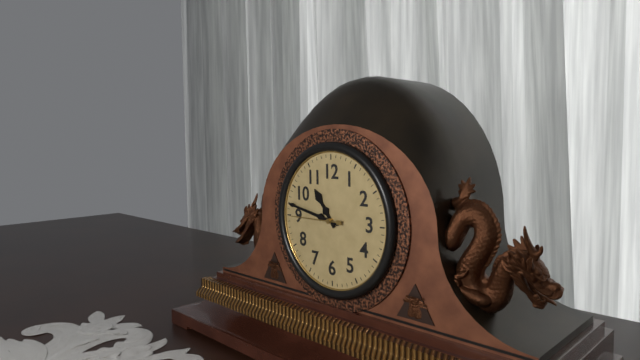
10:47:45
